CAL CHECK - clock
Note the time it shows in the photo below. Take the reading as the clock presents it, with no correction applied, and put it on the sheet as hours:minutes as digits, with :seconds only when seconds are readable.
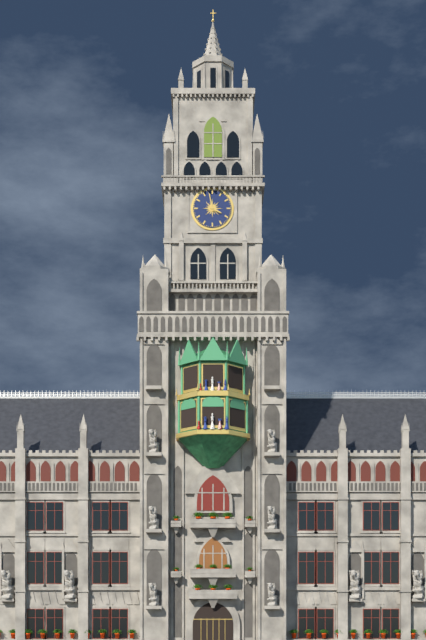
3:58
